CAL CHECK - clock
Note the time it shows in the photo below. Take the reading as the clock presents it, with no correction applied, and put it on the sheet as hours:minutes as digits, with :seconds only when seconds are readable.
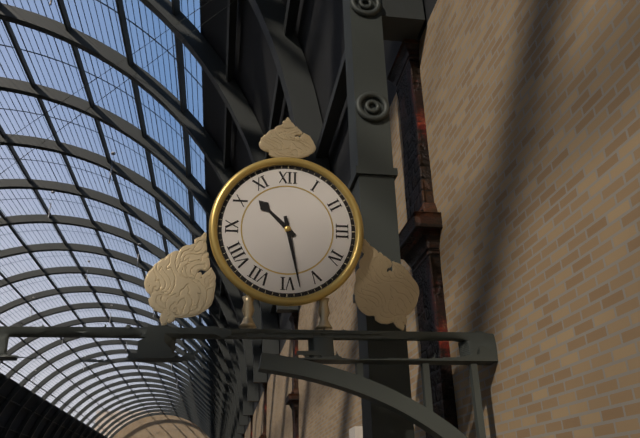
10:28
